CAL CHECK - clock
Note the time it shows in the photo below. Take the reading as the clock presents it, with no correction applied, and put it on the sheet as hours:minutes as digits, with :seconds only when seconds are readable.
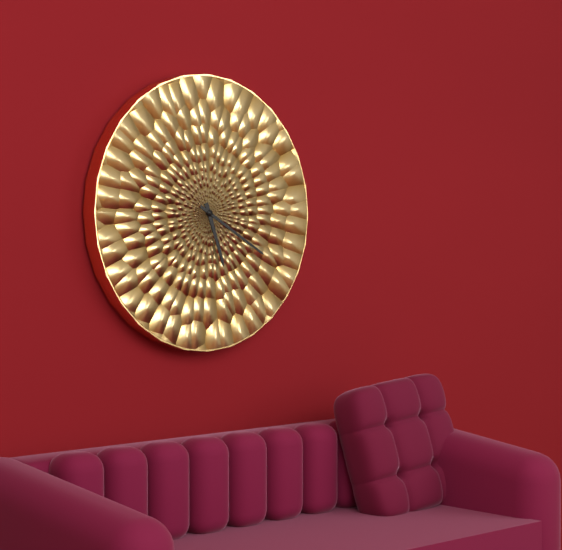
5:20
